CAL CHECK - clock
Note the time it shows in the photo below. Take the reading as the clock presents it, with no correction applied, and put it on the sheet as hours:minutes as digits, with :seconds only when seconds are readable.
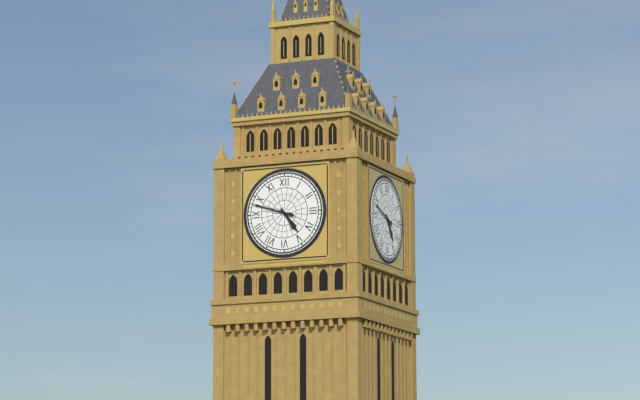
4:48
